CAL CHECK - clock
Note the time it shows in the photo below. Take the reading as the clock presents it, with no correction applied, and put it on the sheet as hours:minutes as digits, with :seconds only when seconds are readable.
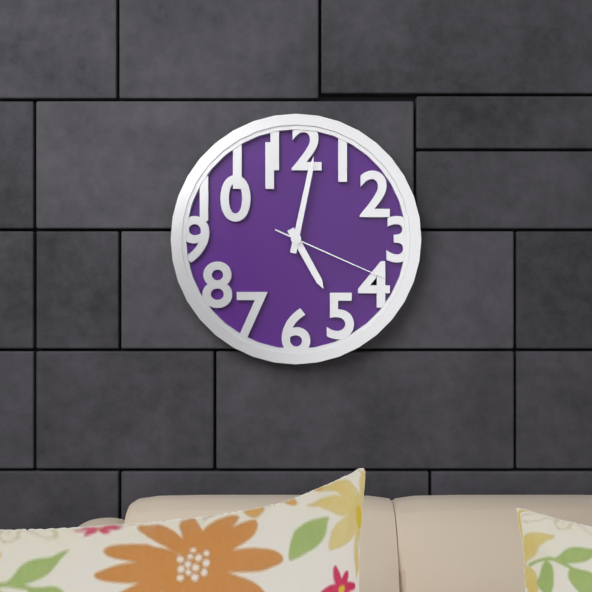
5:02:19
